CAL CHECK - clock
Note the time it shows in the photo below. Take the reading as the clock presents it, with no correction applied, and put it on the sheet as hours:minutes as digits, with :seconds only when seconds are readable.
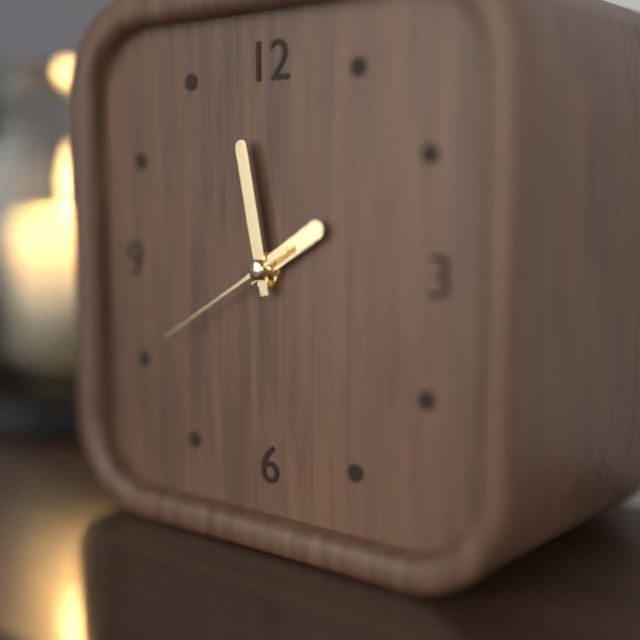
1:58:40
